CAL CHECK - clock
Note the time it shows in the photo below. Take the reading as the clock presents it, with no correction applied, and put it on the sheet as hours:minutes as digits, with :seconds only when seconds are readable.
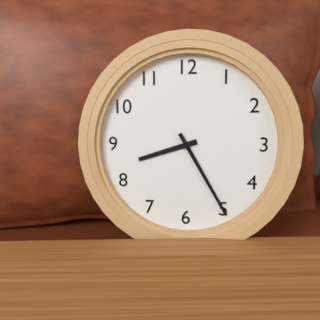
8:25
